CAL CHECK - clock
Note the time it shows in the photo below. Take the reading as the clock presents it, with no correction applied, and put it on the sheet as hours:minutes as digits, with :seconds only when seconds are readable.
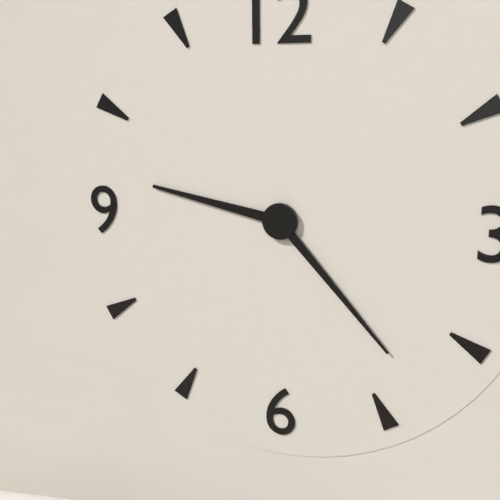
9:23
